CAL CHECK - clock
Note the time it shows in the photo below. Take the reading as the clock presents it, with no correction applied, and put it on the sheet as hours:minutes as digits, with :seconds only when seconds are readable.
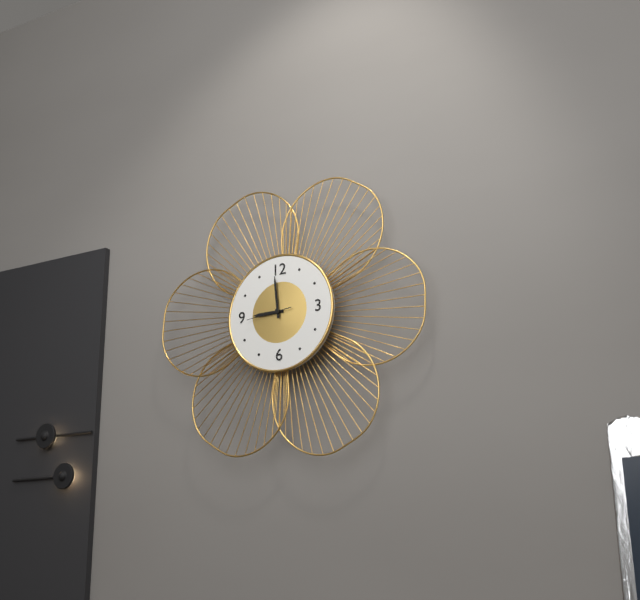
8:59
